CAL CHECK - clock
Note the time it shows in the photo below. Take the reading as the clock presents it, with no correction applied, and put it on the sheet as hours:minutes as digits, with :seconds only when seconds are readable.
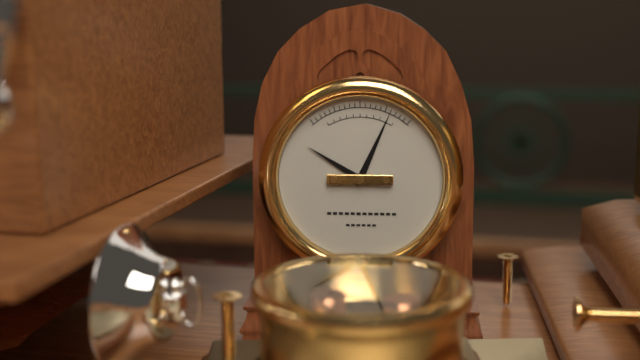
10:04
